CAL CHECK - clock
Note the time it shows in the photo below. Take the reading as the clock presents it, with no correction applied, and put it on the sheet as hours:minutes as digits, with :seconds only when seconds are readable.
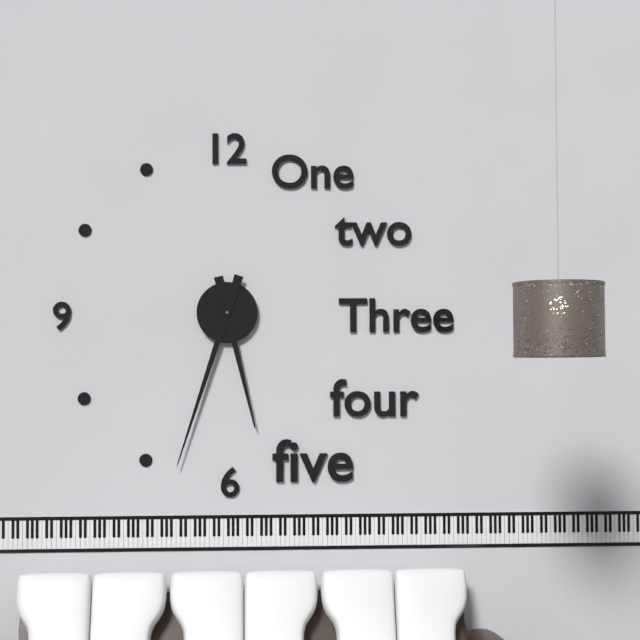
5:33
